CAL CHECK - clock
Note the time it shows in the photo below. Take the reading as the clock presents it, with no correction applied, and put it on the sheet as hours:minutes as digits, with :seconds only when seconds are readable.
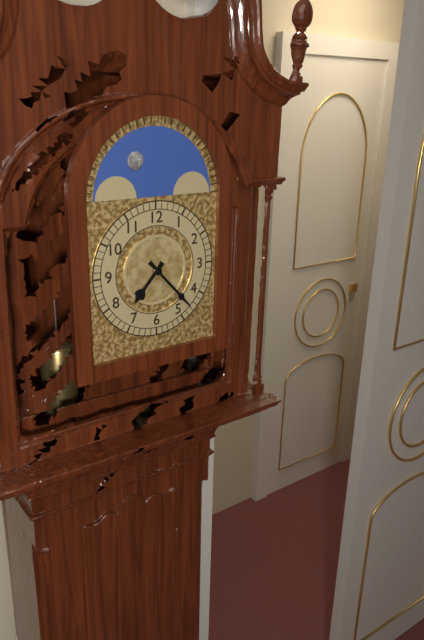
7:23
